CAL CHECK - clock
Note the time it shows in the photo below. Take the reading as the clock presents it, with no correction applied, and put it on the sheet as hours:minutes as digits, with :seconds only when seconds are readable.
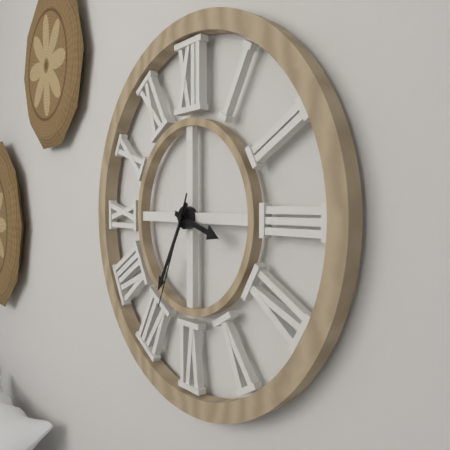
3:35:34
